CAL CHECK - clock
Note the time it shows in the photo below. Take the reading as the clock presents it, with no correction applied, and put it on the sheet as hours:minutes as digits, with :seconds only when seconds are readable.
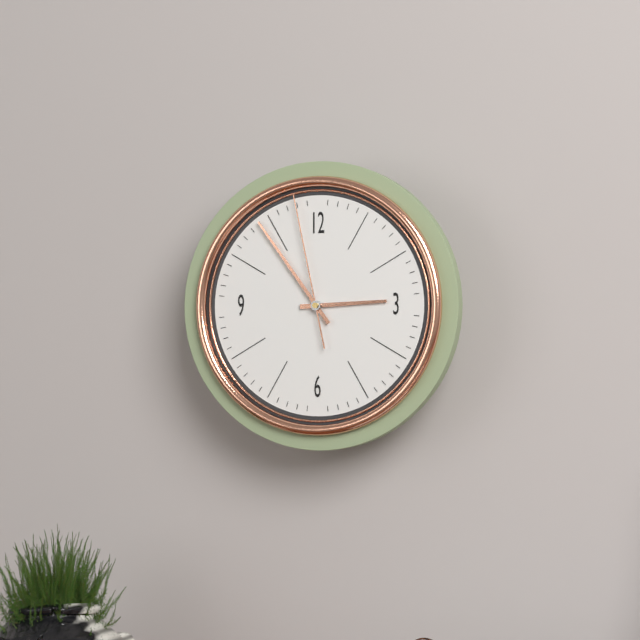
2:54:58
